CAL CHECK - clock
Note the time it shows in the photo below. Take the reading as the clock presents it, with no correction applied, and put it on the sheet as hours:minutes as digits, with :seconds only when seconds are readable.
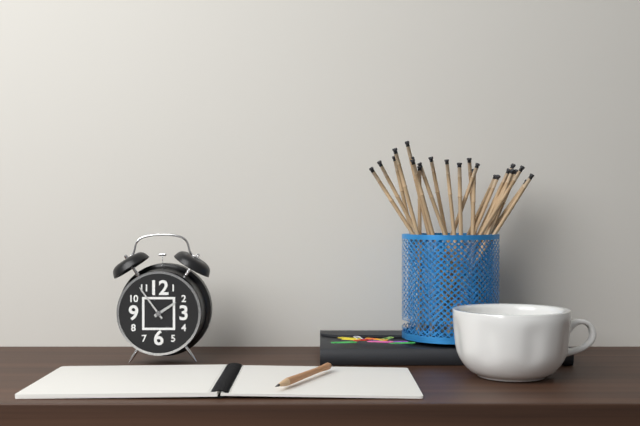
1:54
